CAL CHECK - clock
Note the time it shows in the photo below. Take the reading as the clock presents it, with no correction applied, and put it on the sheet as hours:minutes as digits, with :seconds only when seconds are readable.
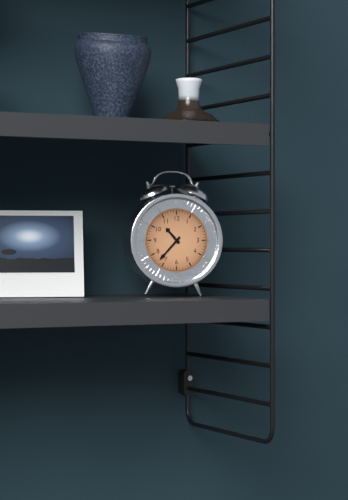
10:37
